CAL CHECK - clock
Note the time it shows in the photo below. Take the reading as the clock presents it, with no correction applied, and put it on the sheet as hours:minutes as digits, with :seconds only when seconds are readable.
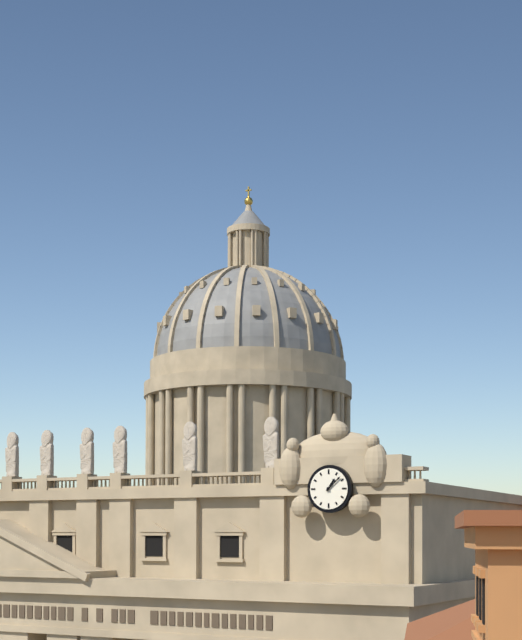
1:08
